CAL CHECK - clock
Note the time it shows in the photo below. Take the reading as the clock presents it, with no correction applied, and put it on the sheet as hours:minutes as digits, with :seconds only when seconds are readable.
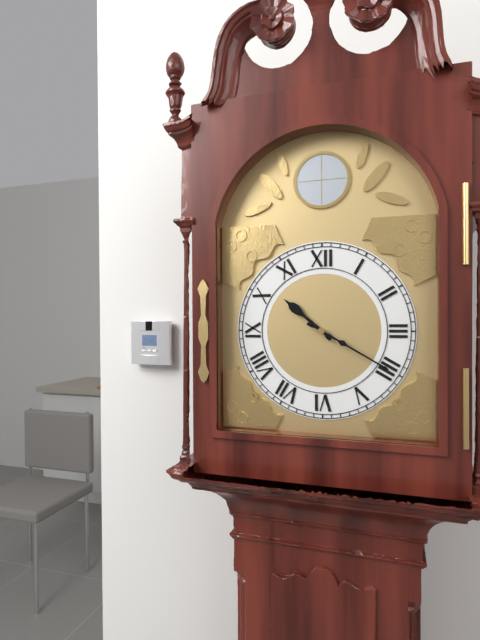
10:20
